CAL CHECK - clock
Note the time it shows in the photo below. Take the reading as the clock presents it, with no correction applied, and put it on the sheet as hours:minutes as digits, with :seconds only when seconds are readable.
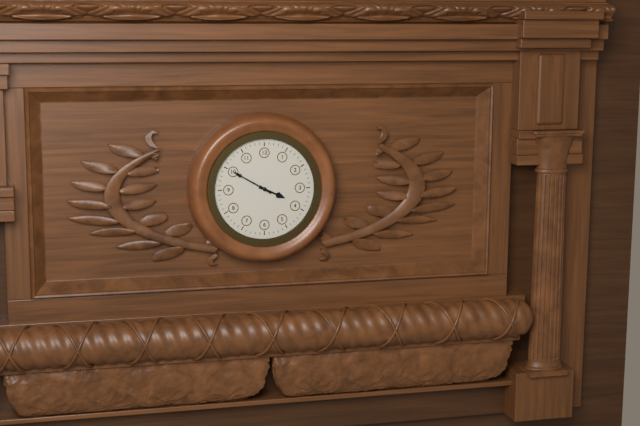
3:50
